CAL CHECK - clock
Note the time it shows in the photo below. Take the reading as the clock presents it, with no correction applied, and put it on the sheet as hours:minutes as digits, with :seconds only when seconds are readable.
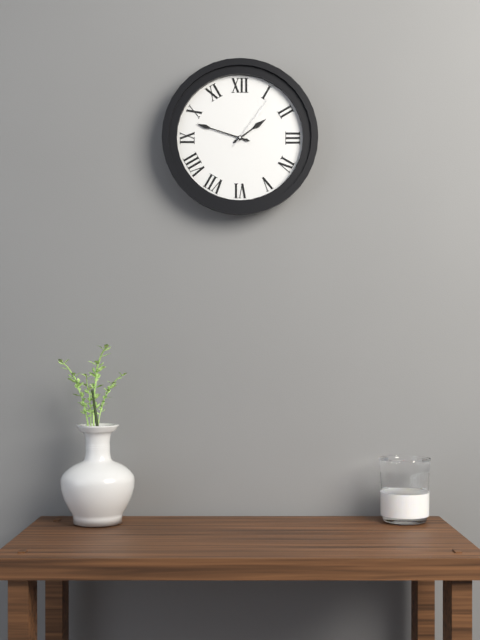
1:48:06
